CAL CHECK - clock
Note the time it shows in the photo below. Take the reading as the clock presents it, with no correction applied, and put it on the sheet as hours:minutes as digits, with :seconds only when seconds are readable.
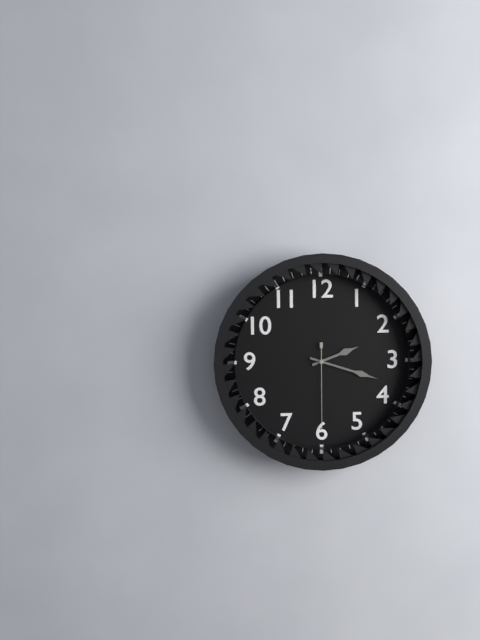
2:18:30
